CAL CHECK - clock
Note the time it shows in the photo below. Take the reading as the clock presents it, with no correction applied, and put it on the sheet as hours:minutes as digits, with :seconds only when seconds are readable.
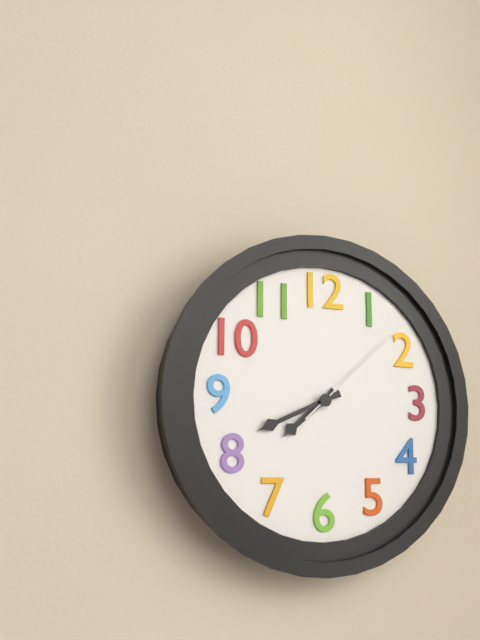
7:41:08
